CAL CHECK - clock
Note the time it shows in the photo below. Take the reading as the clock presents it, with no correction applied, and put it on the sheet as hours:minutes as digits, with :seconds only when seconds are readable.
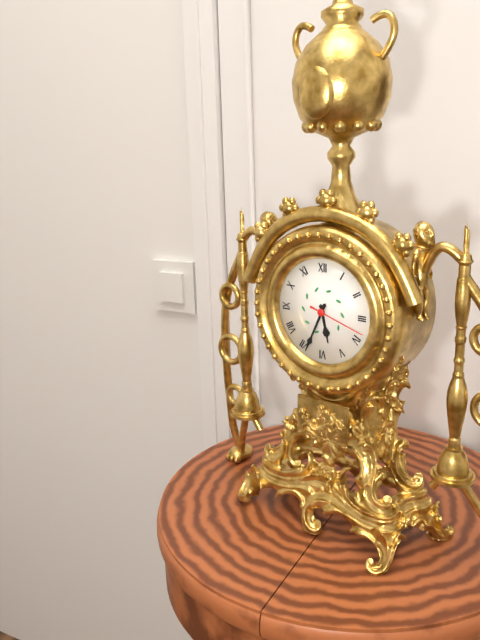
5:34:18
